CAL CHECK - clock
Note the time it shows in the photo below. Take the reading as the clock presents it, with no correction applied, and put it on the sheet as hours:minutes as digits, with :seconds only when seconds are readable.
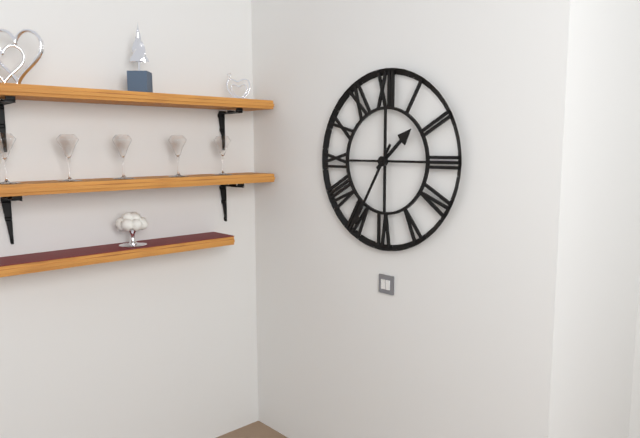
1:35
